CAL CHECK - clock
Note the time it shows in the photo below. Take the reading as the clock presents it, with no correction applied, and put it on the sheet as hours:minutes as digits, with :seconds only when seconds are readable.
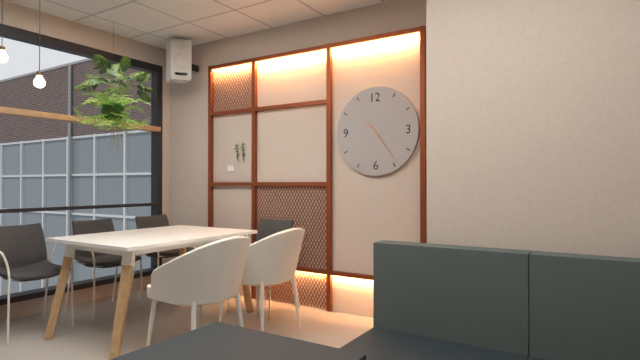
10:24
